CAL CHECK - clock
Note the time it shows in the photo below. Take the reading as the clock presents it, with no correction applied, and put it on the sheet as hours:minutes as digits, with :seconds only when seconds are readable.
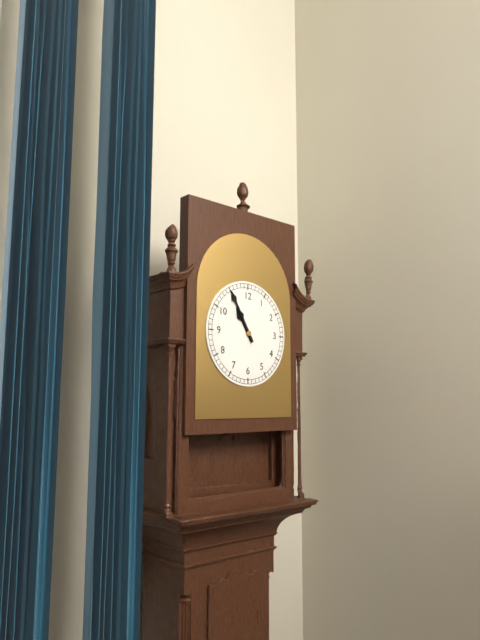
10:55
